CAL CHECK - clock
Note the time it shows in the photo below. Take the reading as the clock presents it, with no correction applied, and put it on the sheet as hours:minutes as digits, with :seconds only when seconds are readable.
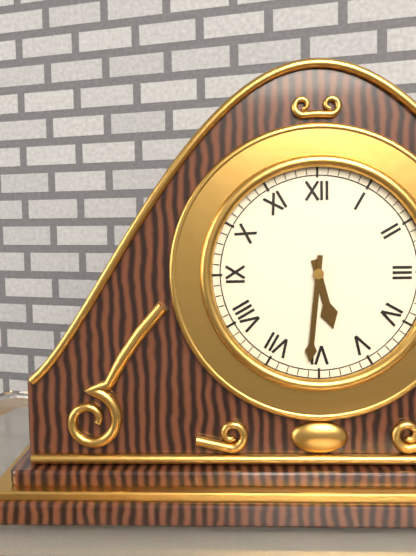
5:31
